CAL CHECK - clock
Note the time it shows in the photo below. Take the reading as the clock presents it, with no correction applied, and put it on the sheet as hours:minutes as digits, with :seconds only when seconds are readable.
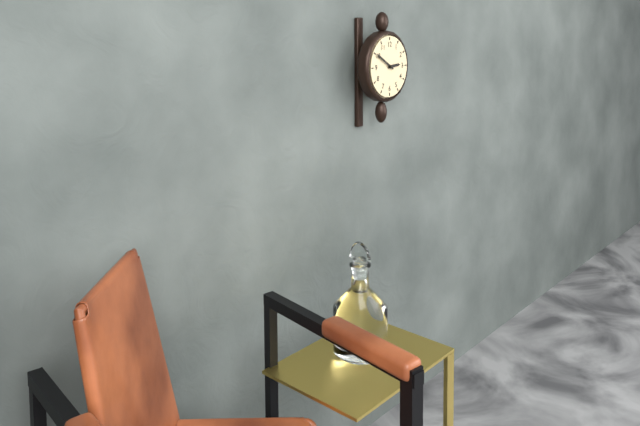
2:50
